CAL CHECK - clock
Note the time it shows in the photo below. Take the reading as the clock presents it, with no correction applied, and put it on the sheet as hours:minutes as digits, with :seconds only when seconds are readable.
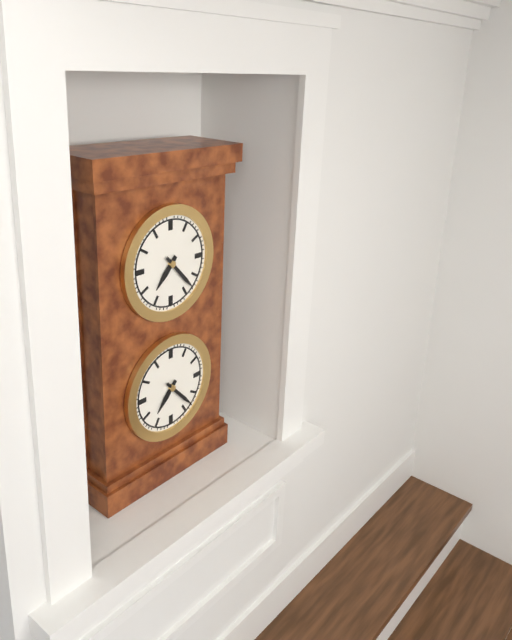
7:23
